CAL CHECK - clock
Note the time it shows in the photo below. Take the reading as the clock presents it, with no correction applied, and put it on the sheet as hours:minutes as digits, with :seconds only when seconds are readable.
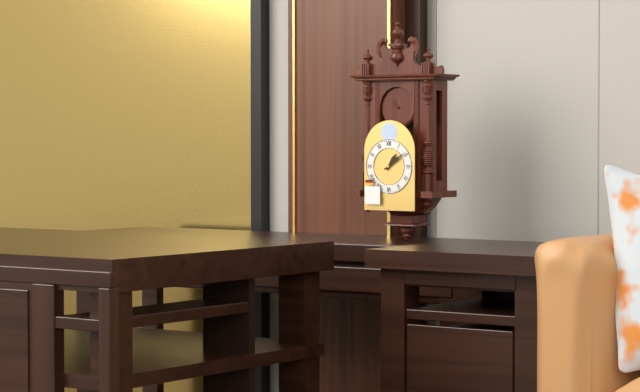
1:09
